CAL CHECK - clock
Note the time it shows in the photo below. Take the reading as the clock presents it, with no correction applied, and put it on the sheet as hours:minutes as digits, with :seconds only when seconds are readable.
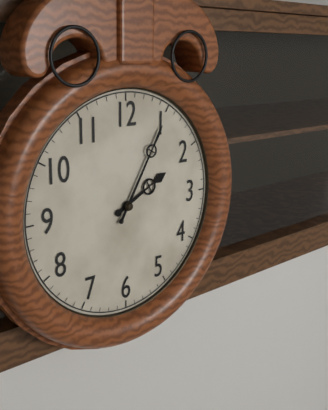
2:05
